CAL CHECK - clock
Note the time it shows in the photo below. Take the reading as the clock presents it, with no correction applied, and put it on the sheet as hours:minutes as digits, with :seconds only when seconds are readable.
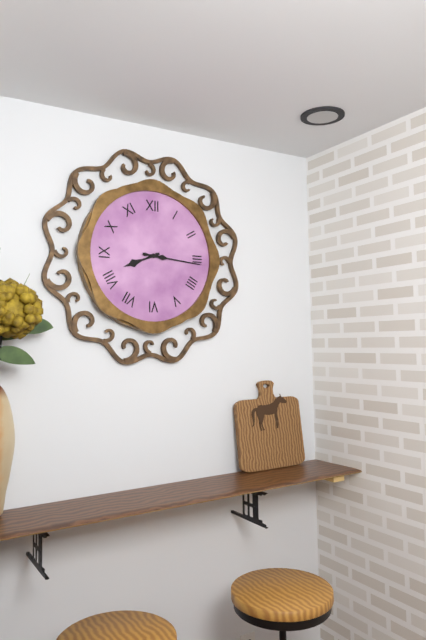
8:16
